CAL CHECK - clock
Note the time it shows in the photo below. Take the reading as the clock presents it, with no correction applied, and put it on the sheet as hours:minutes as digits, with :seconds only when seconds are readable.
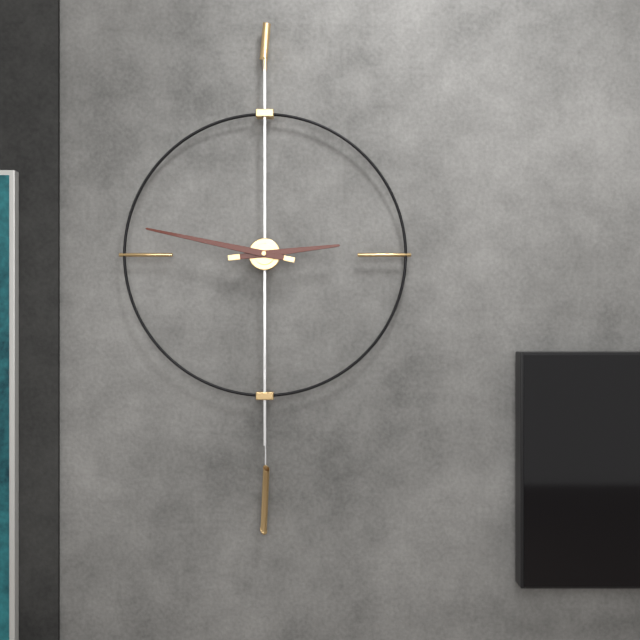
2:47
